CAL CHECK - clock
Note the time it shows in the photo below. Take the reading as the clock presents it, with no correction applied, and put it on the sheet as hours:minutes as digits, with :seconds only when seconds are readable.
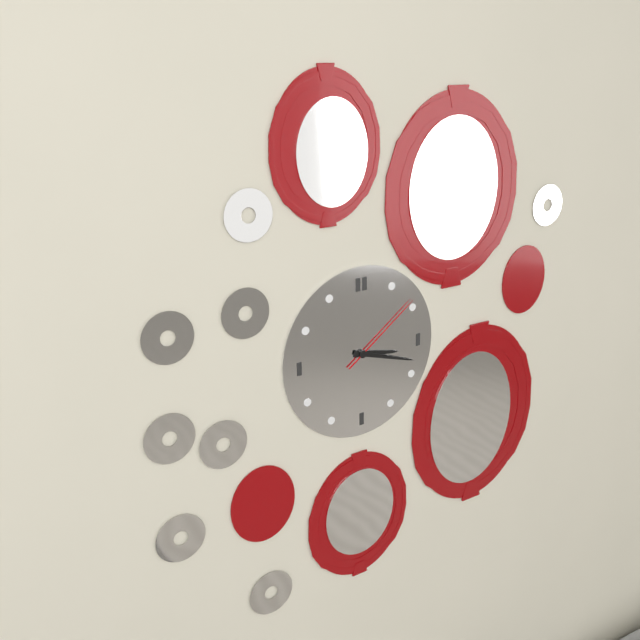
3:18:09
